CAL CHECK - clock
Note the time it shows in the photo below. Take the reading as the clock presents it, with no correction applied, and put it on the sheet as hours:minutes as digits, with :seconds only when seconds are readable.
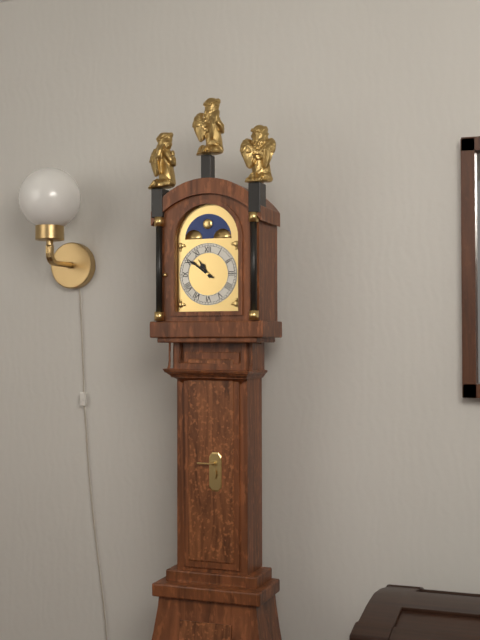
10:51
